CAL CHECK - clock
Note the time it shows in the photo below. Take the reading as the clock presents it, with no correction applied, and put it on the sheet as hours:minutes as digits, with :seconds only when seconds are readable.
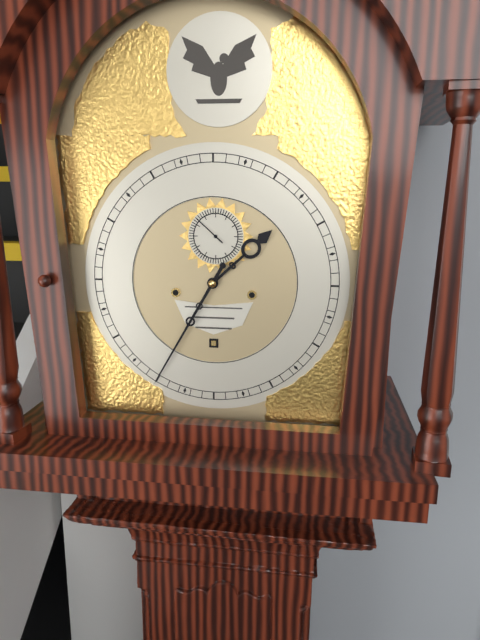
1:35
